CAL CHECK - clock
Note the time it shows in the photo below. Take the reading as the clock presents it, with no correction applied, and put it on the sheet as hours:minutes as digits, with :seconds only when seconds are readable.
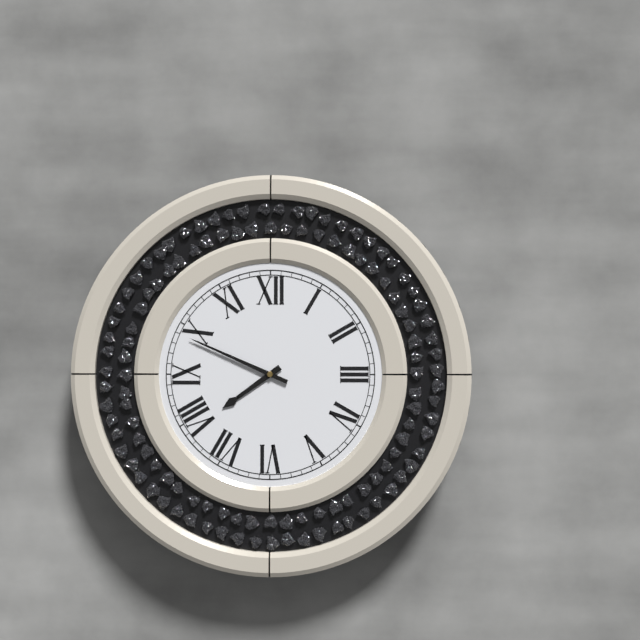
7:49
